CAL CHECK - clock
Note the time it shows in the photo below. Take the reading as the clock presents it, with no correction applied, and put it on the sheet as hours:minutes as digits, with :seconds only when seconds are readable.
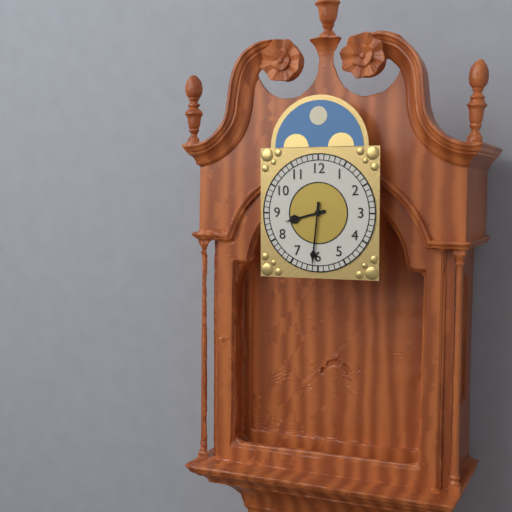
8:31
